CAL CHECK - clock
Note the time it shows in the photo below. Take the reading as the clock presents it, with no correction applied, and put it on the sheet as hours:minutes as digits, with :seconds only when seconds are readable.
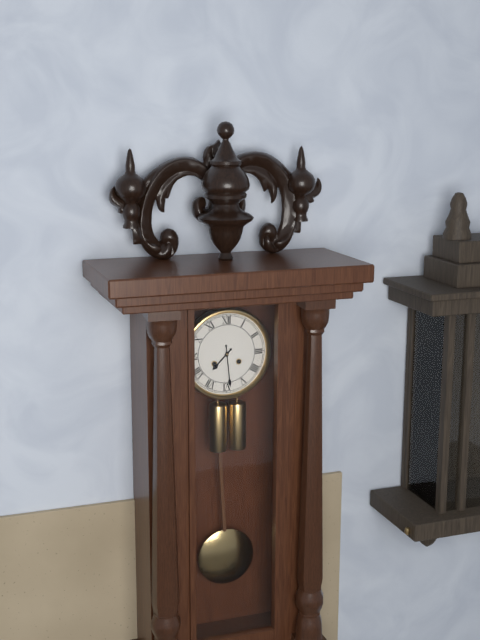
7:29
